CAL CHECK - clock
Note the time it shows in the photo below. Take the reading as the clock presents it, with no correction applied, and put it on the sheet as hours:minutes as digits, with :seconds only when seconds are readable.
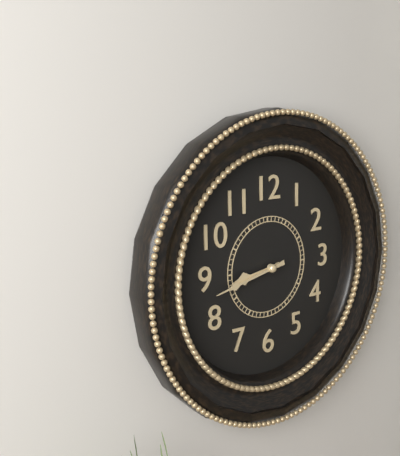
8:43
